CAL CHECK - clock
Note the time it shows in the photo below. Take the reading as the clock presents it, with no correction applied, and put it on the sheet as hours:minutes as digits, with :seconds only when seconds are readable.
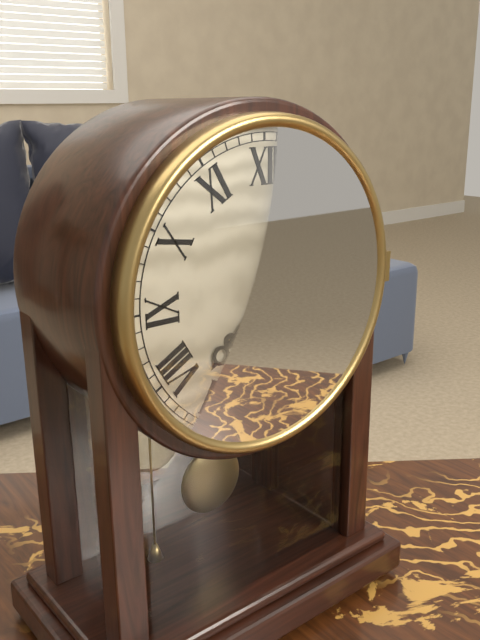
7:30
